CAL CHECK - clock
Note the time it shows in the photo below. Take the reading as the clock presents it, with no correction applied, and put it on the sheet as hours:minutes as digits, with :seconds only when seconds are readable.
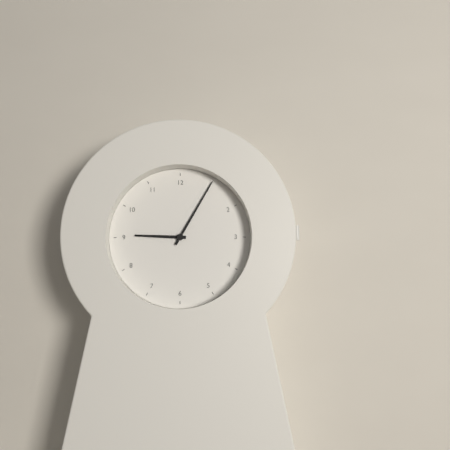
9:05
